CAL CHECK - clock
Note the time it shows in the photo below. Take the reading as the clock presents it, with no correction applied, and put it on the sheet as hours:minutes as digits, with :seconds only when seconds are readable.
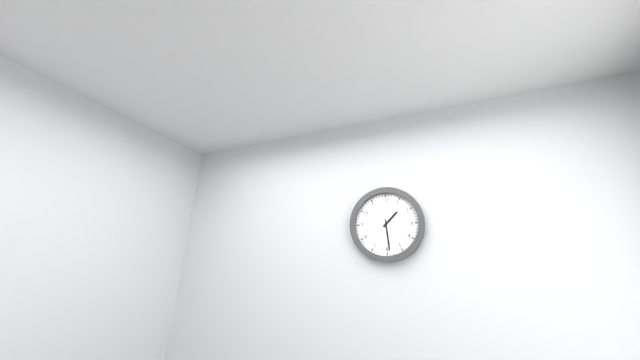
1:29
